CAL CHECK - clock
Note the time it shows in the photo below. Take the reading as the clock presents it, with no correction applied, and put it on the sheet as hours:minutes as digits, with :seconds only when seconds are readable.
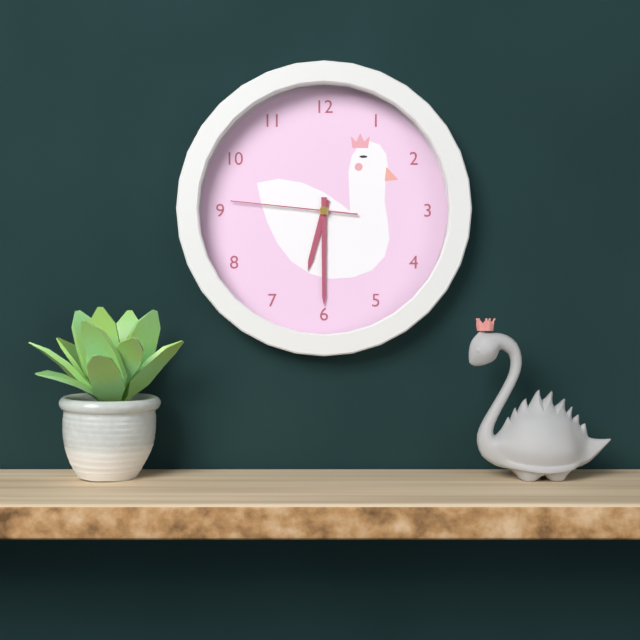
6:30:46
